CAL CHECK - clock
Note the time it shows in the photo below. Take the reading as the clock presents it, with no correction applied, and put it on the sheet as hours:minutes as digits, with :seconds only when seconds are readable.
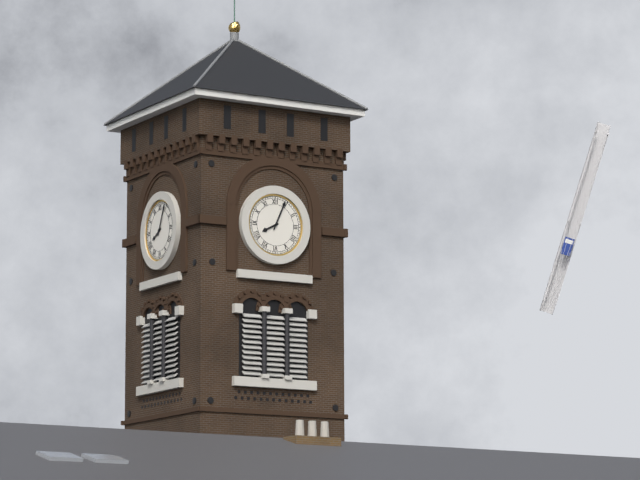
8:04
